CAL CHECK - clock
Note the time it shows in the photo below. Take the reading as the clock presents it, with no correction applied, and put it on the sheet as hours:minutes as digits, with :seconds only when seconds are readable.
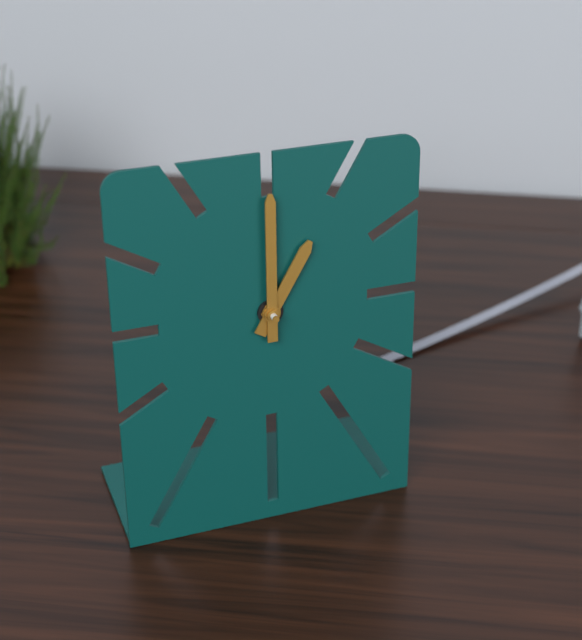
1:00
